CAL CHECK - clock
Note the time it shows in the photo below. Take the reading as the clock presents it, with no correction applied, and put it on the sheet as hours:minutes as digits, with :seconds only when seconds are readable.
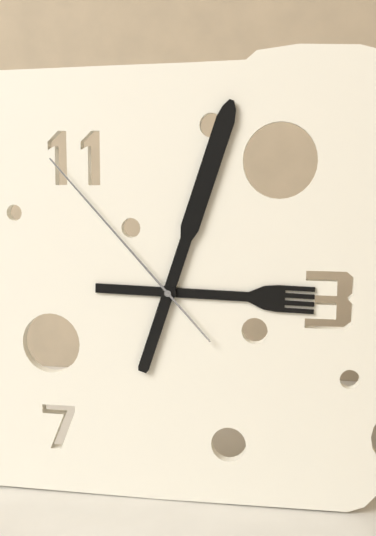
3:03:53
